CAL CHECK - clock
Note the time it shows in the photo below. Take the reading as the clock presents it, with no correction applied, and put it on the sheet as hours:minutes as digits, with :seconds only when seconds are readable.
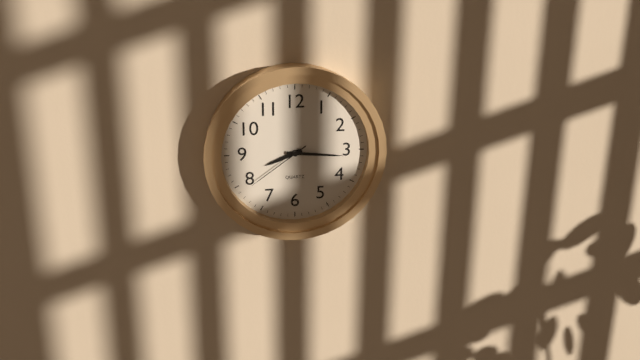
8:16:39
